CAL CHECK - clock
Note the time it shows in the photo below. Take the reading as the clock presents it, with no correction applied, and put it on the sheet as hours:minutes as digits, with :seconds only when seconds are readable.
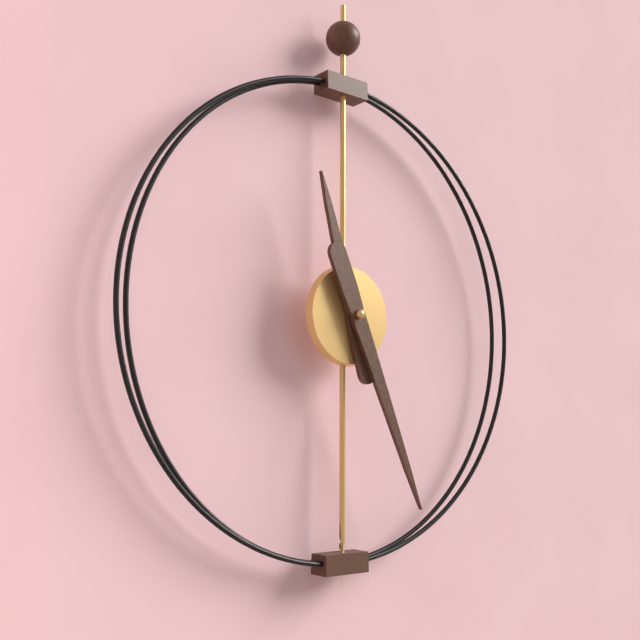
11:26
